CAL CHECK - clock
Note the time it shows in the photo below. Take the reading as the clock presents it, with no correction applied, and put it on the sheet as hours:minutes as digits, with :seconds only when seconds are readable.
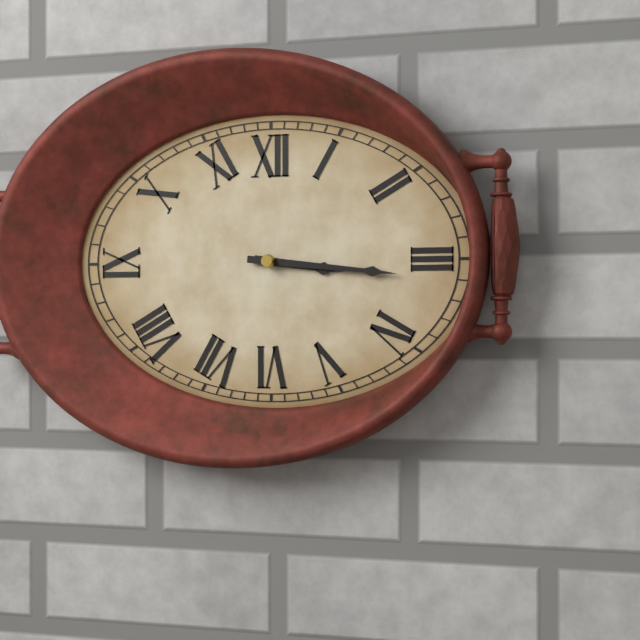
3:16
